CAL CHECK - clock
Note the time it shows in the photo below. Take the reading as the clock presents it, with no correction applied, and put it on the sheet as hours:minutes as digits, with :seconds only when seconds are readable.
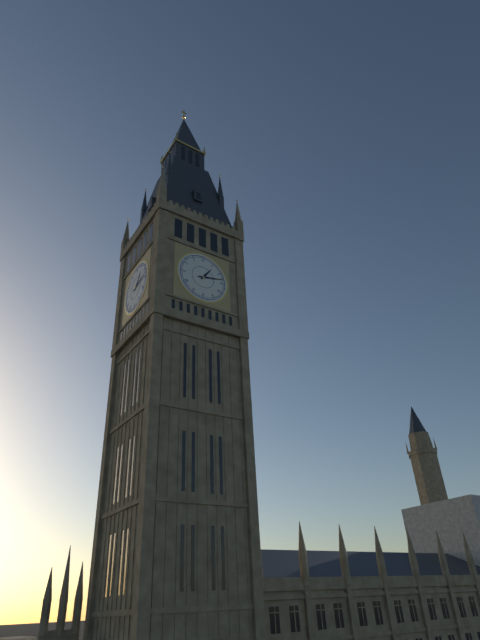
1:13
